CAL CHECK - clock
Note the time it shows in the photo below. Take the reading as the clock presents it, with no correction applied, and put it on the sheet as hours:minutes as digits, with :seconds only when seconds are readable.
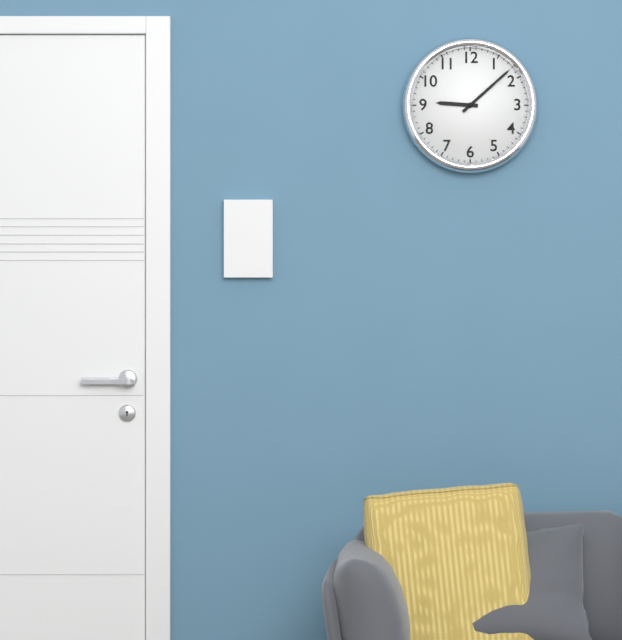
9:08
